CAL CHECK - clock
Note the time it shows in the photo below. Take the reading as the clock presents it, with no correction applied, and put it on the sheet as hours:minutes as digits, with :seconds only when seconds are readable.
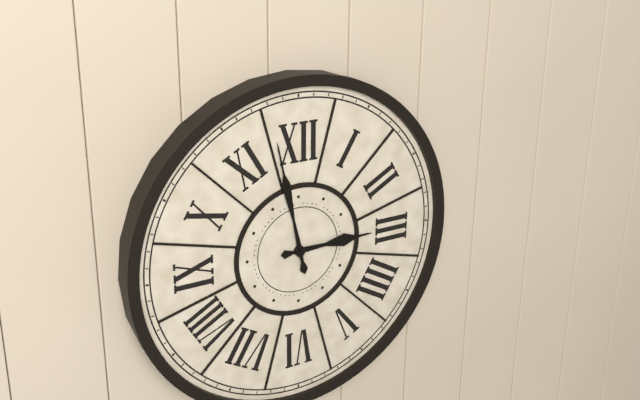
2:58
